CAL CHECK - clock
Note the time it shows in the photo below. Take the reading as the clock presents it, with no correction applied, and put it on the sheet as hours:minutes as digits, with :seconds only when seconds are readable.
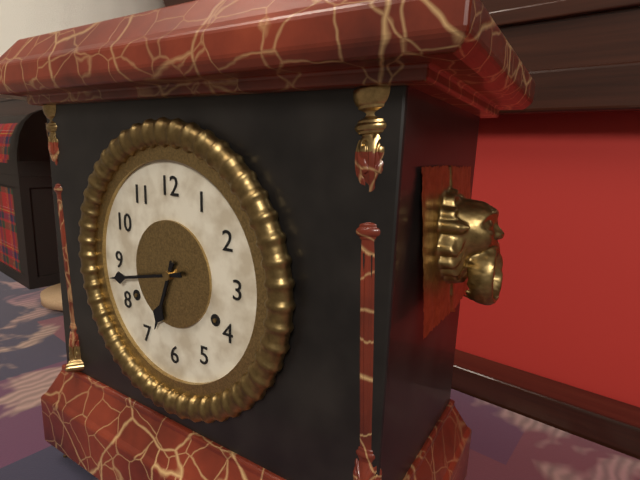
6:43
